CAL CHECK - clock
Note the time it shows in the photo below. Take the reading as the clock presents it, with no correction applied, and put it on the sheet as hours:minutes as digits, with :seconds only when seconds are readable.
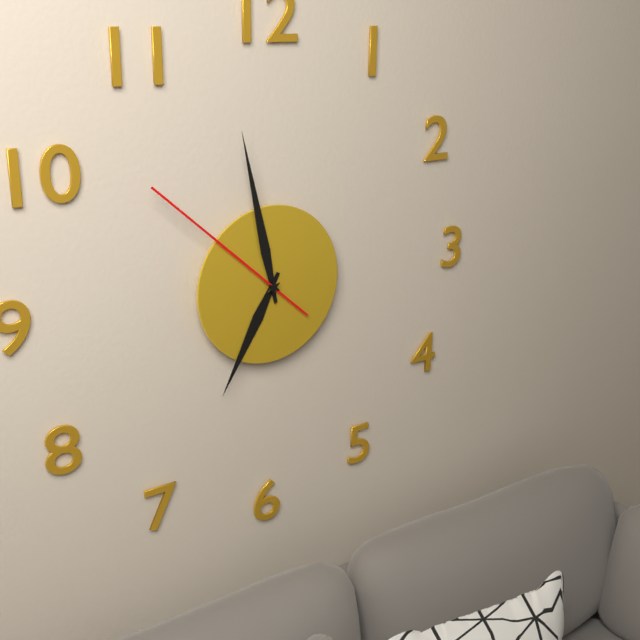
6:58:52
